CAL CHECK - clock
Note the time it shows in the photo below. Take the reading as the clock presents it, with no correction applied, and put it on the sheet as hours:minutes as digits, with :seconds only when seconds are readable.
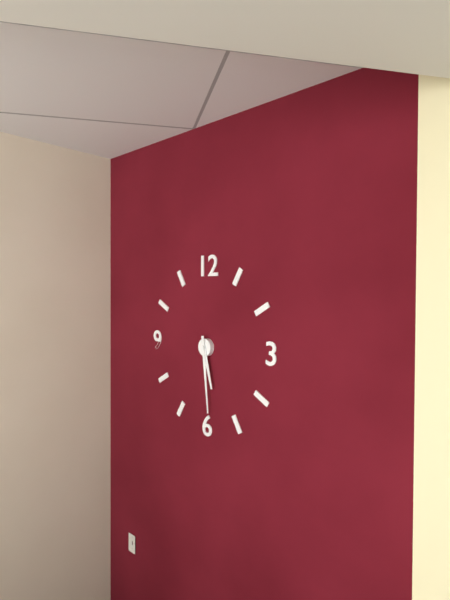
5:29
